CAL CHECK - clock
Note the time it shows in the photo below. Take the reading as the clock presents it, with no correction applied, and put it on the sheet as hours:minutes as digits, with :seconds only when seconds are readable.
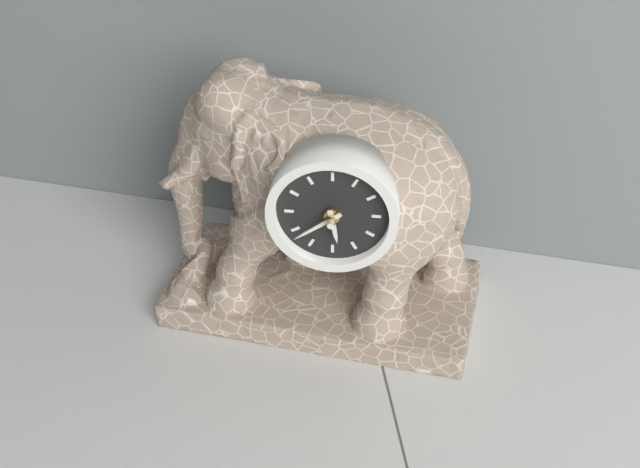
5:39
